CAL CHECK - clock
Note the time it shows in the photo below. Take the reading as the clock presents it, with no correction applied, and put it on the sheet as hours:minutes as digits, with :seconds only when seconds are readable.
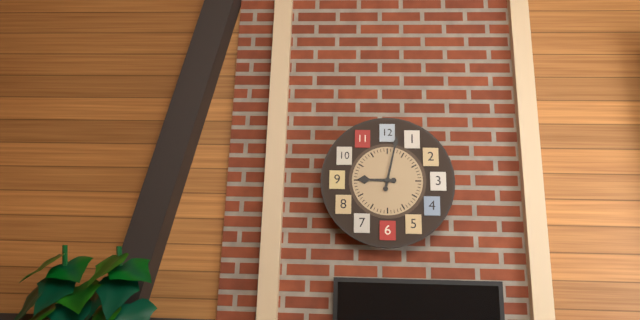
9:02
